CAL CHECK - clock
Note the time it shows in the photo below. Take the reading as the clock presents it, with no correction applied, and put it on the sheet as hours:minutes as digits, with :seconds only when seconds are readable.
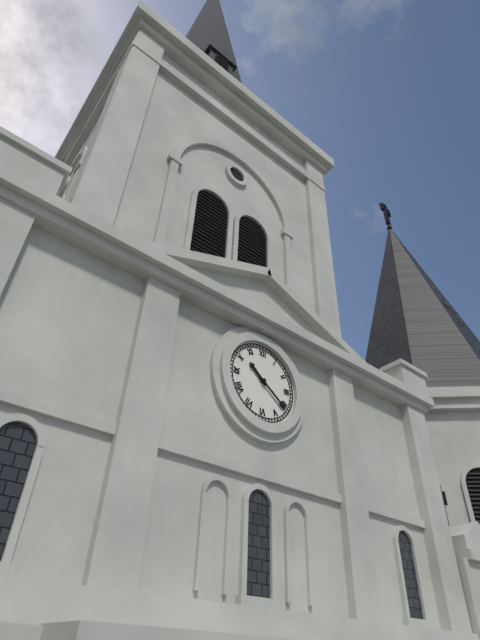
10:21
